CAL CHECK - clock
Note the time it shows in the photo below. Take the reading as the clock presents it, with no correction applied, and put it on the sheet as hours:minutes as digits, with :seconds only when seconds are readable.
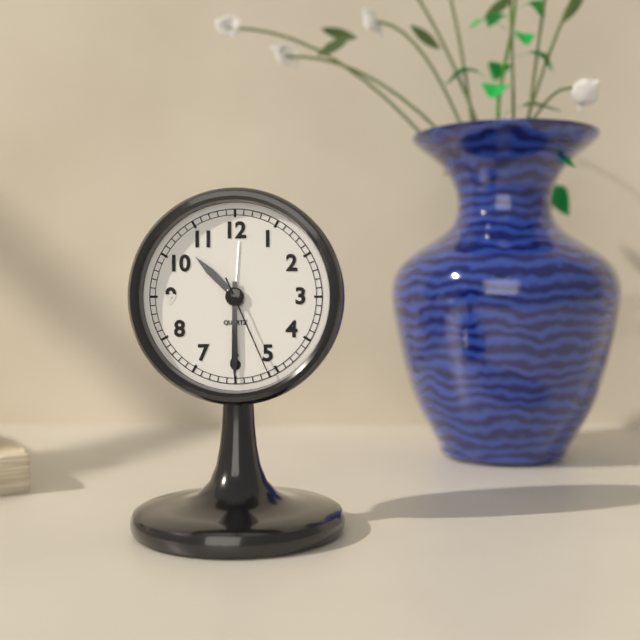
10:30:26
